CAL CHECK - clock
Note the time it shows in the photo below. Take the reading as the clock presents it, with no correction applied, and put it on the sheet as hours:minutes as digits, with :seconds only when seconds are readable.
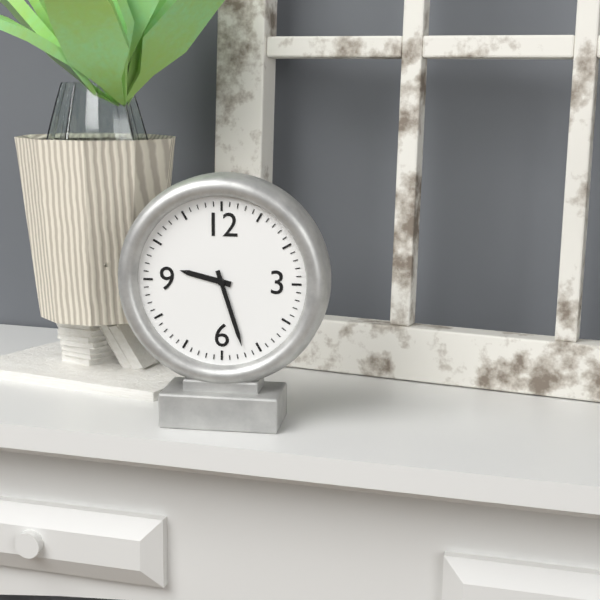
9:27
